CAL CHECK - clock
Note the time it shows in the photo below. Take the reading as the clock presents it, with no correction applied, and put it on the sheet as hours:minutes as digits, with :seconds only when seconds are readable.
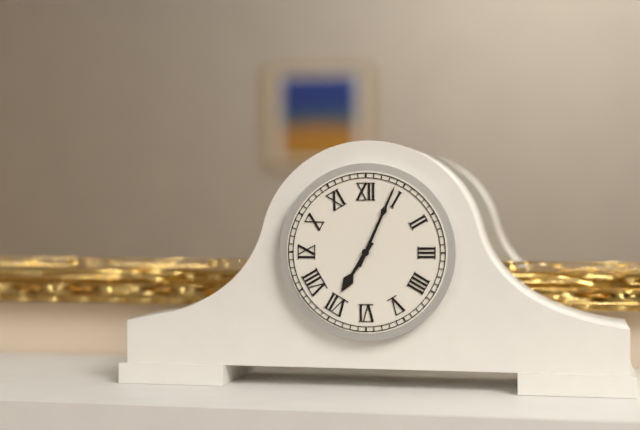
7:04
